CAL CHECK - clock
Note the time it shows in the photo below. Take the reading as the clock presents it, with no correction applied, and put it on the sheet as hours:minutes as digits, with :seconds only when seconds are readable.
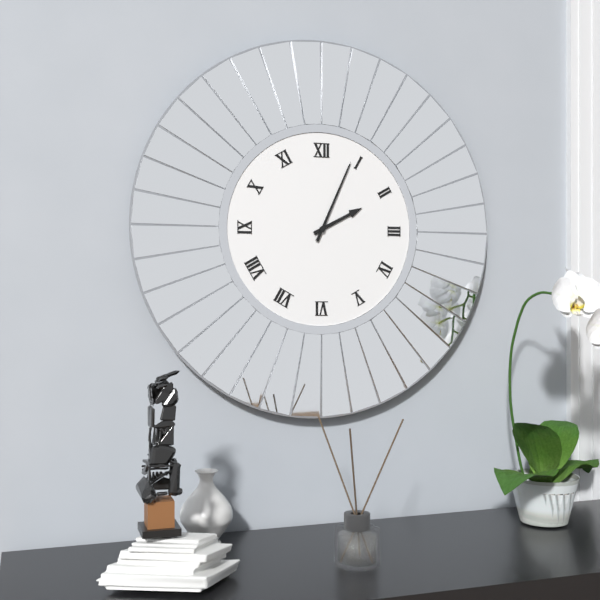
2:04
